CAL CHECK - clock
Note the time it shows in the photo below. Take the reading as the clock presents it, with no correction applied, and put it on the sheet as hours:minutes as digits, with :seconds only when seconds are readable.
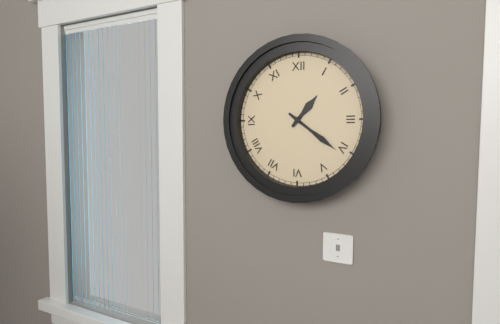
1:21
